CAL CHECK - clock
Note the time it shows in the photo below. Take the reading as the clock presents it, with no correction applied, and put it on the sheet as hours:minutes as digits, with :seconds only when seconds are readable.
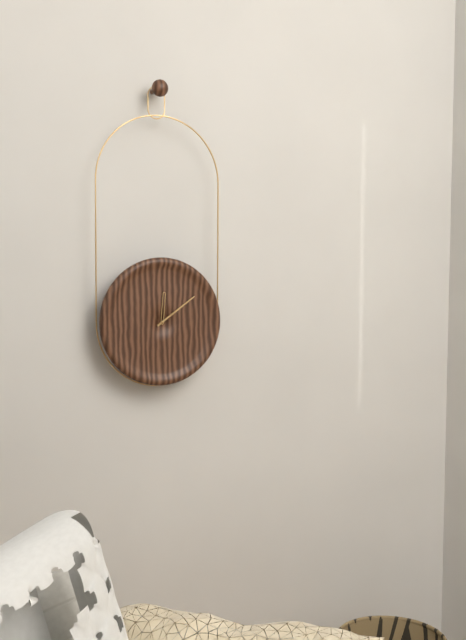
12:09
